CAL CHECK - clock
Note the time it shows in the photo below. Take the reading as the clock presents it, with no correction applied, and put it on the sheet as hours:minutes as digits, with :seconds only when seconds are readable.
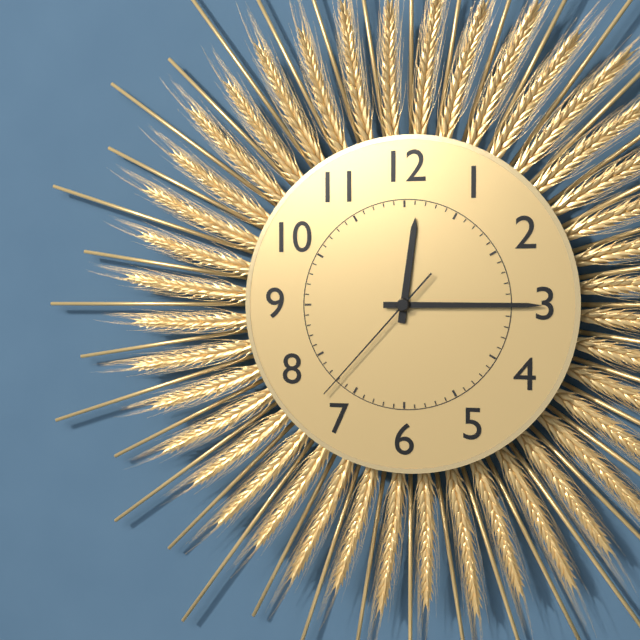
12:15:37
